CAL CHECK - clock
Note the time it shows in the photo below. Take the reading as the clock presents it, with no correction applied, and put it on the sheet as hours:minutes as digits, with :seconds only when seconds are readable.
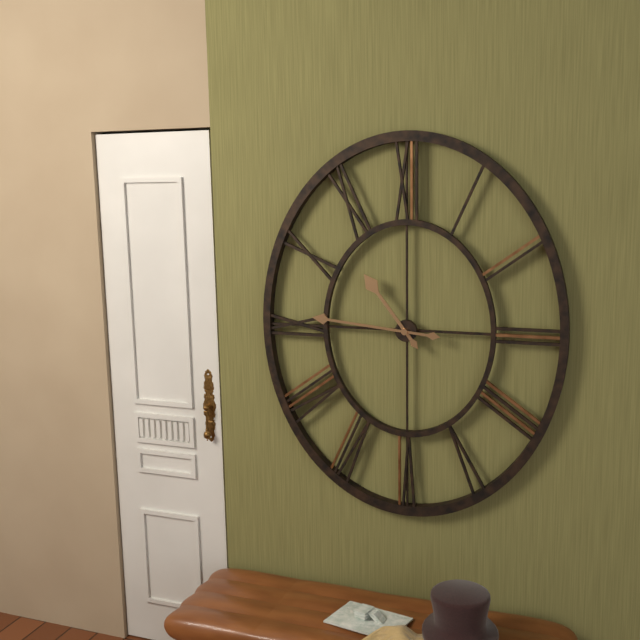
10:46
